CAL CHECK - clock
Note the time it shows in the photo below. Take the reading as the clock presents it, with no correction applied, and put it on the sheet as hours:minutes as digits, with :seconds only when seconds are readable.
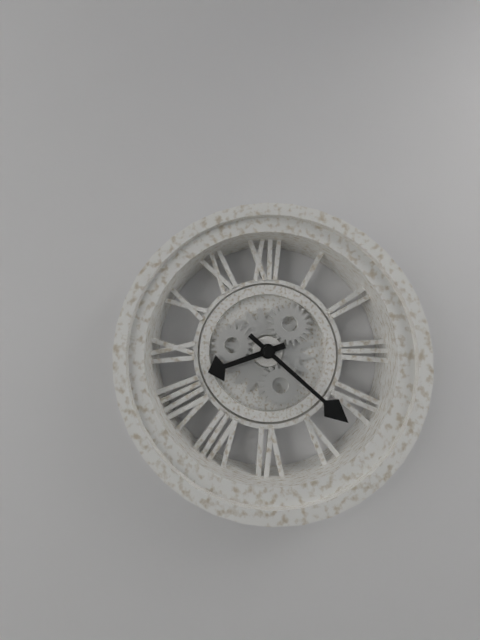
8:22
